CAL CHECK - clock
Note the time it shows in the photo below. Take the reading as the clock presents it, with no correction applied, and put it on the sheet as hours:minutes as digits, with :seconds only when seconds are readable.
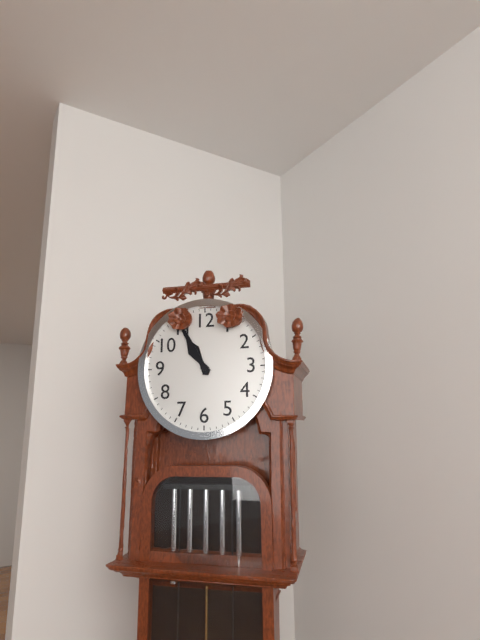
10:55
